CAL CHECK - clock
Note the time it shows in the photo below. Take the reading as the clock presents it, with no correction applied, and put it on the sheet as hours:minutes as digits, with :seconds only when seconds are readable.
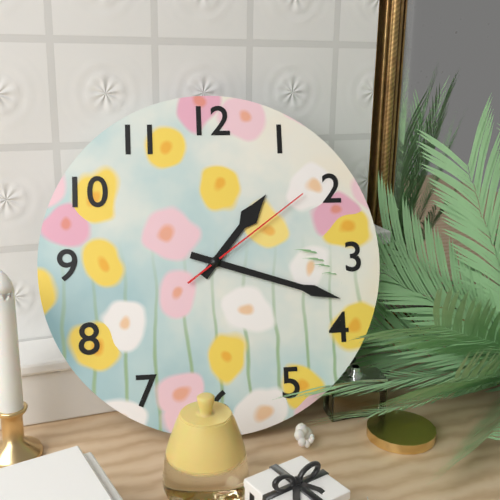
1:18:09
